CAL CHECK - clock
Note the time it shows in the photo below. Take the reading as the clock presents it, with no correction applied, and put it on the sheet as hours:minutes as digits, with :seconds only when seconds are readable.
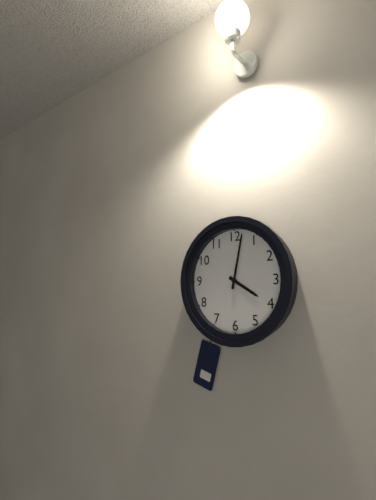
4:02
